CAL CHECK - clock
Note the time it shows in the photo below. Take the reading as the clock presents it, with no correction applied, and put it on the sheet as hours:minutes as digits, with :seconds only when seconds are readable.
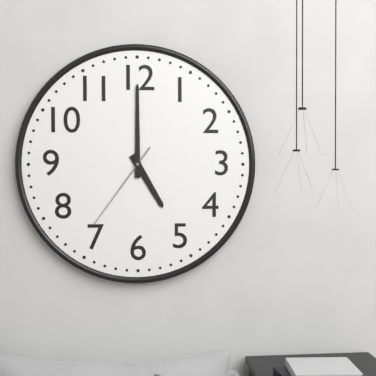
5:00:36
